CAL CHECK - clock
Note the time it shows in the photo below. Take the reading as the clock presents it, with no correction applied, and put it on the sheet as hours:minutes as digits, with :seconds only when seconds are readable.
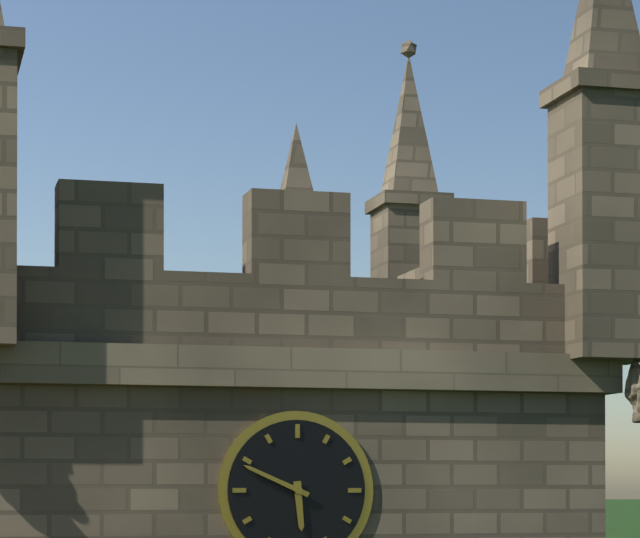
5:49
